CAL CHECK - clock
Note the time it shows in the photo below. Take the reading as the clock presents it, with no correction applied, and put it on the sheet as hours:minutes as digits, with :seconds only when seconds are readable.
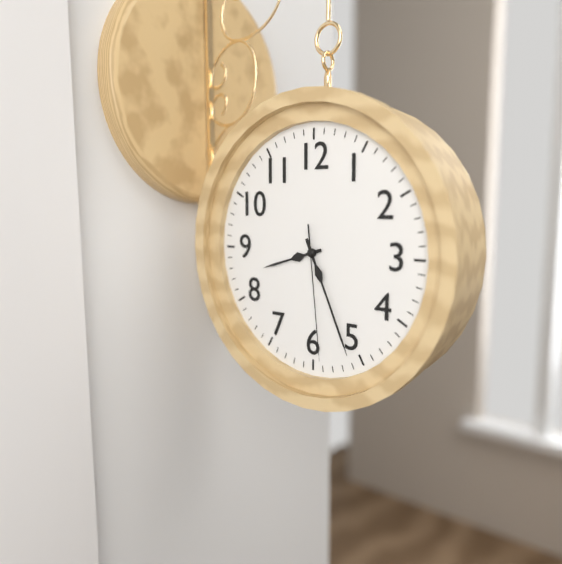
8:26:29
